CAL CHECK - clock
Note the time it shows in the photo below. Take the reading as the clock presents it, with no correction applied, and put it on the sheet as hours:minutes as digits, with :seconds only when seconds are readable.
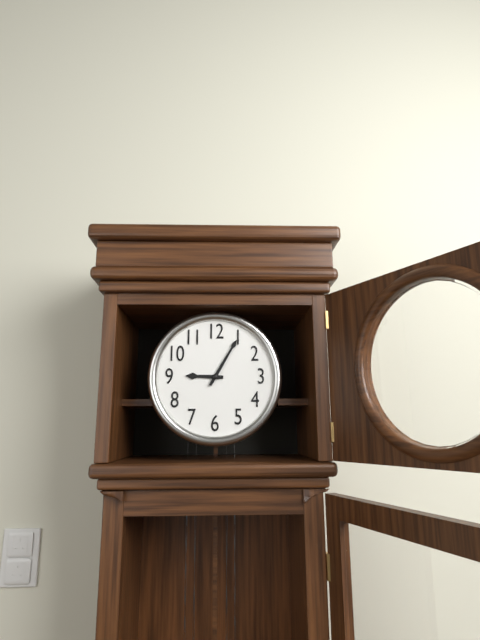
9:05
